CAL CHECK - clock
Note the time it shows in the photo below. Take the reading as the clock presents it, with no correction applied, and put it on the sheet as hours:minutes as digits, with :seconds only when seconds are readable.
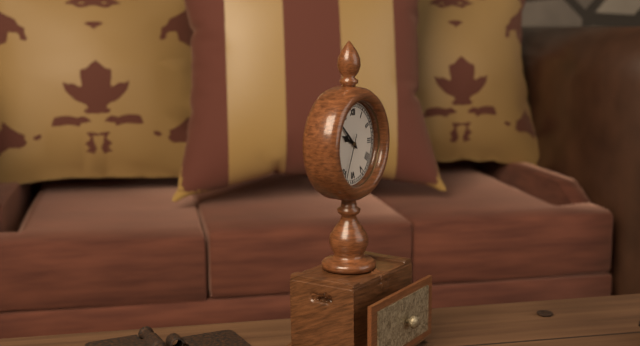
9:52
